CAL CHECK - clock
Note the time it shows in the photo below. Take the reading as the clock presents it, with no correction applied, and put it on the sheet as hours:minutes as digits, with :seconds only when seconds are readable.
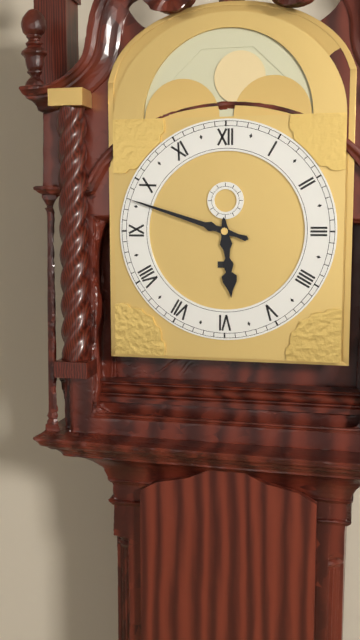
5:48
